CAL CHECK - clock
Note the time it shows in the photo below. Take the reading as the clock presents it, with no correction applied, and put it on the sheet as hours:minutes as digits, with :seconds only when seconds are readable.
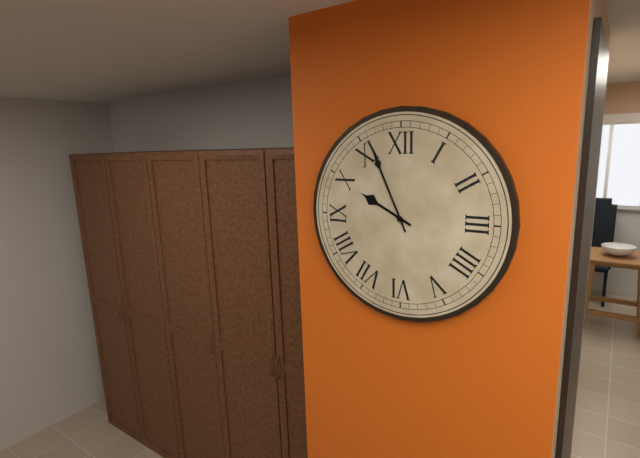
9:56
